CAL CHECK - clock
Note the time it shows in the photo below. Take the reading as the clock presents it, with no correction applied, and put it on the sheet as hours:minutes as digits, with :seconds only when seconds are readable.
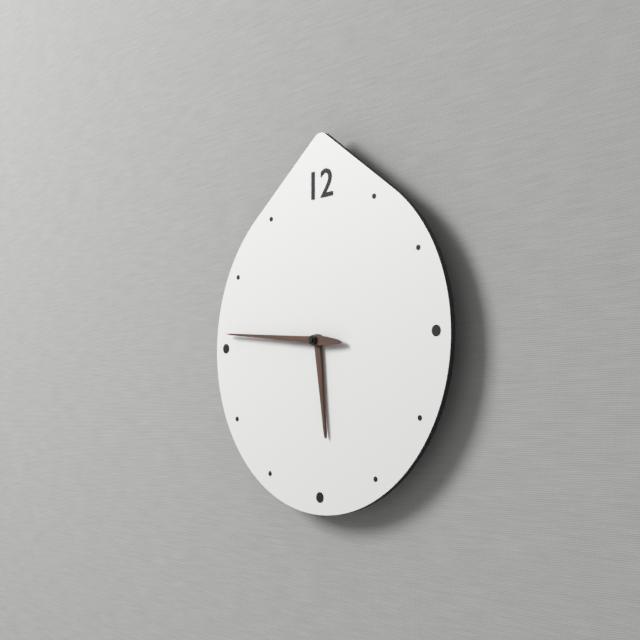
5:46
